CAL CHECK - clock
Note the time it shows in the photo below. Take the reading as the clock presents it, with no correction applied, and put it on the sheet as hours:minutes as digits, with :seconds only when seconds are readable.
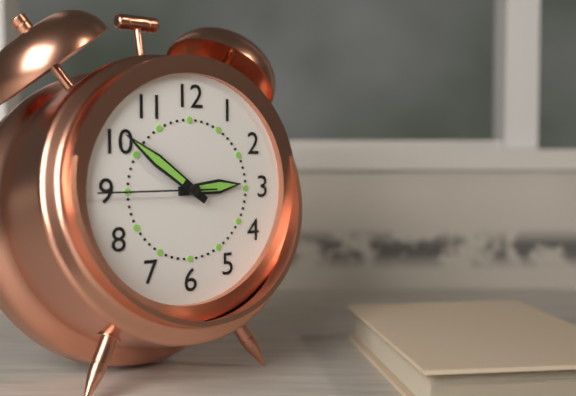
2:51:45
